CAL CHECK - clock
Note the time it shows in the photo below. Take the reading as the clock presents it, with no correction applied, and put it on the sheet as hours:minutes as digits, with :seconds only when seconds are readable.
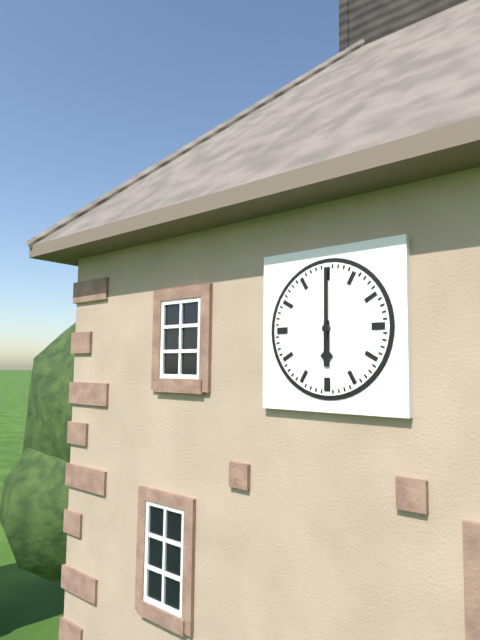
6:00
